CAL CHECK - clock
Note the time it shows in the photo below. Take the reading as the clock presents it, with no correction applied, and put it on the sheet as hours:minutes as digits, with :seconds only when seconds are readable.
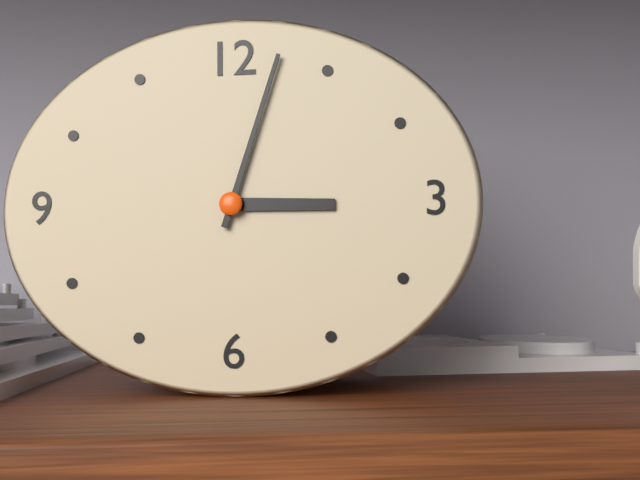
3:03
